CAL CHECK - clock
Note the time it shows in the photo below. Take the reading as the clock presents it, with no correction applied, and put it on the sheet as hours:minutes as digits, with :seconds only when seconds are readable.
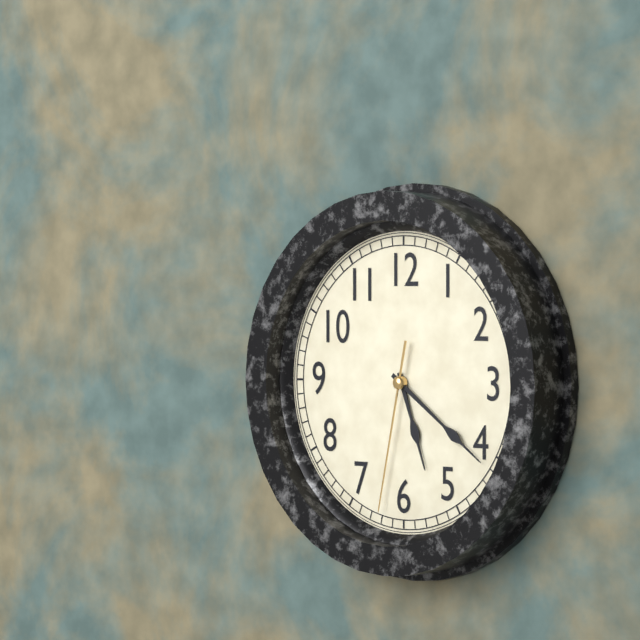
5:21:32
